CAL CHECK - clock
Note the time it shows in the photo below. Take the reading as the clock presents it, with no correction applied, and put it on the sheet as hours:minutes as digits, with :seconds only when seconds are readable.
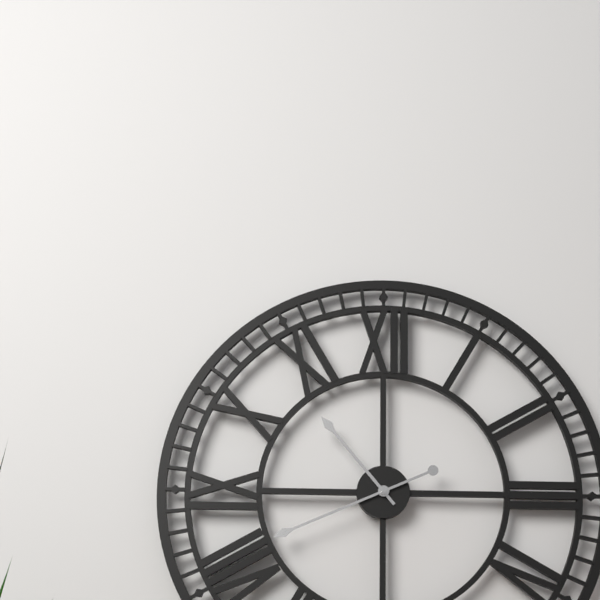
10:41
